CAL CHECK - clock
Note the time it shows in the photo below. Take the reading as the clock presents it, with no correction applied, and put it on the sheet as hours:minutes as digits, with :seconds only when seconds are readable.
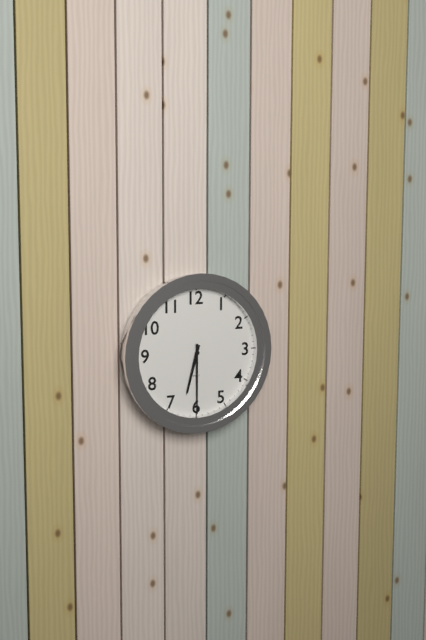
6:30
